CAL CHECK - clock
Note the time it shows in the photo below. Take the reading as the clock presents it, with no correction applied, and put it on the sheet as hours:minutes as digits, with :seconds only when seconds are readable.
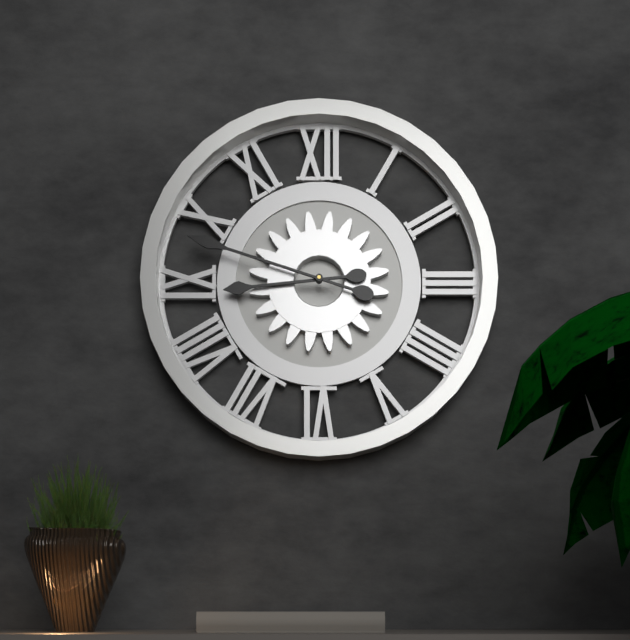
8:48
